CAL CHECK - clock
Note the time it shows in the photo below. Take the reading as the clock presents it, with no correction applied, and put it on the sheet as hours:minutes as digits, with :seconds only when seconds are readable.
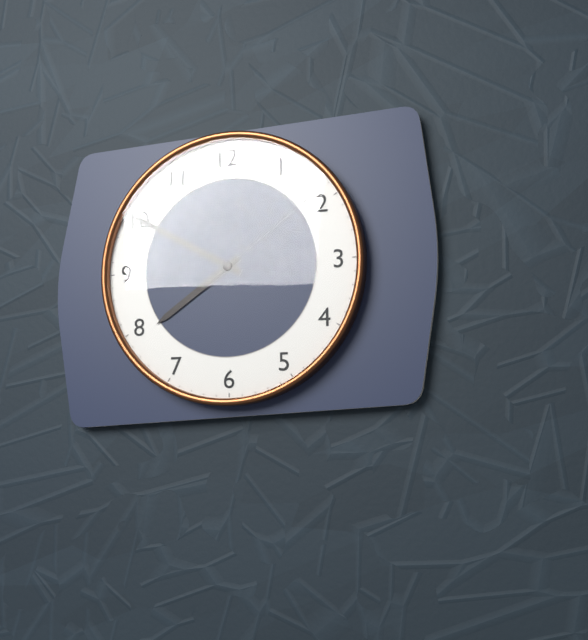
7:50:09
